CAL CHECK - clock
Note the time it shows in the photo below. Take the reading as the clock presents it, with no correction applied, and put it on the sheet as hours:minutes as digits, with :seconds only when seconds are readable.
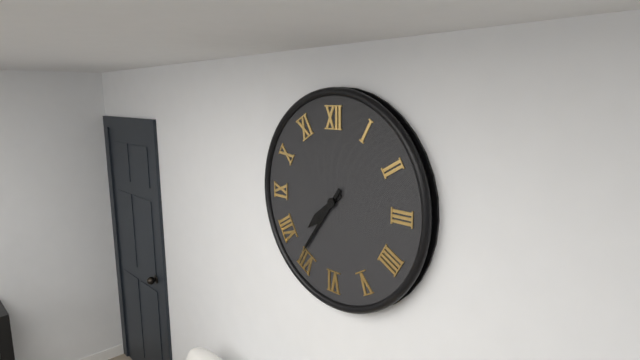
7:36
